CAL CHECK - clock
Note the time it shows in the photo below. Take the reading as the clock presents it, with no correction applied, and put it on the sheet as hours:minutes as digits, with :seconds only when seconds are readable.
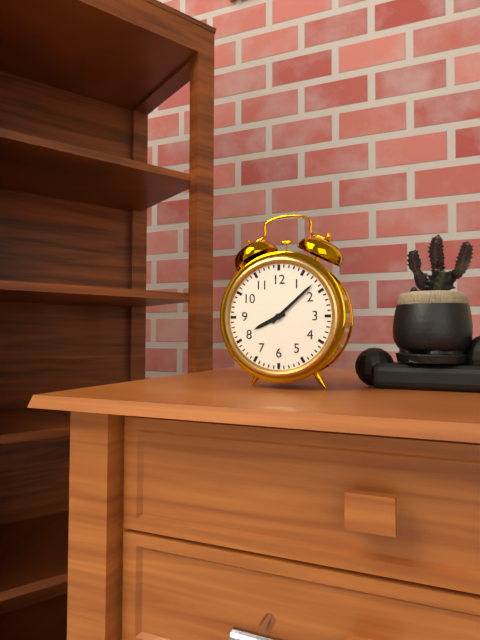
8:08
